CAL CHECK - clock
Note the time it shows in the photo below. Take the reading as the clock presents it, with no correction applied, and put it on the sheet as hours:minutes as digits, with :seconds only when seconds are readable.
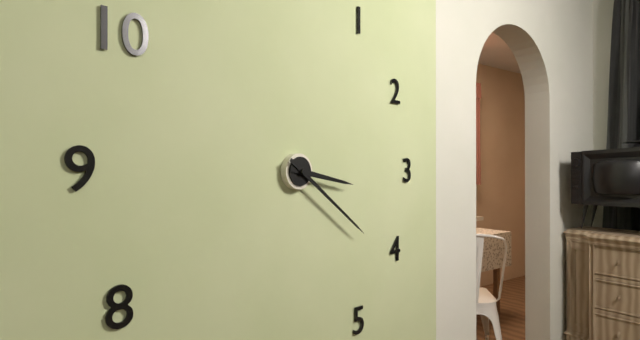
3:21
